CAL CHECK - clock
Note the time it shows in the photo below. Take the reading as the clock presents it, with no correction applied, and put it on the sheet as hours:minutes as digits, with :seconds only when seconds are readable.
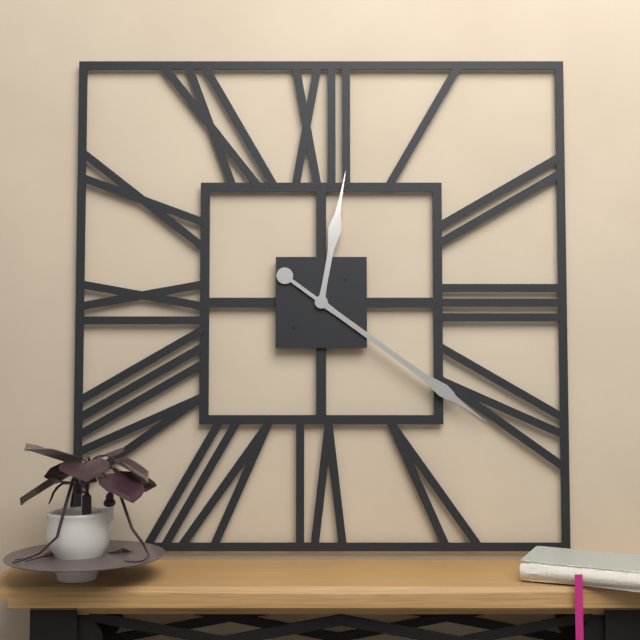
12:21
